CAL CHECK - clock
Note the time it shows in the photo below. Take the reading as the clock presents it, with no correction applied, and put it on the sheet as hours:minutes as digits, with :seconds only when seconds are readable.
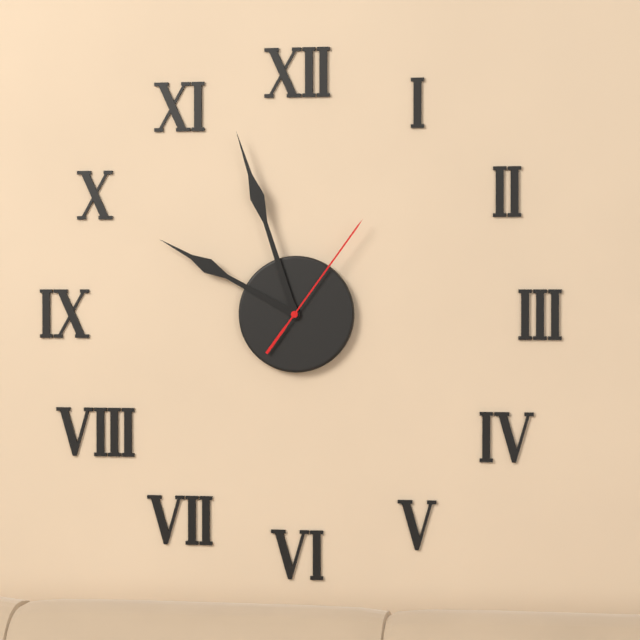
9:57:06
